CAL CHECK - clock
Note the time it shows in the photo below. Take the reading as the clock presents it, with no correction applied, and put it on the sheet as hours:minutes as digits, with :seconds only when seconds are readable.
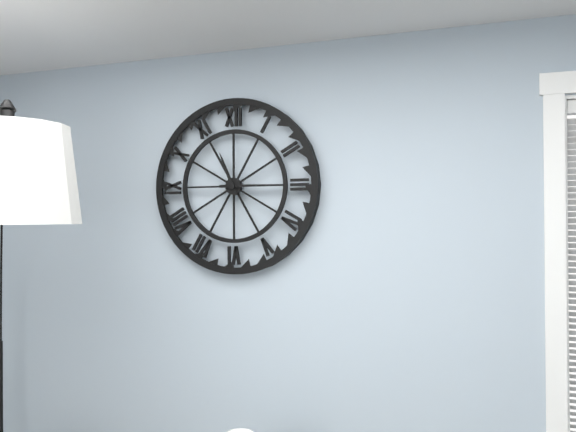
11:15
